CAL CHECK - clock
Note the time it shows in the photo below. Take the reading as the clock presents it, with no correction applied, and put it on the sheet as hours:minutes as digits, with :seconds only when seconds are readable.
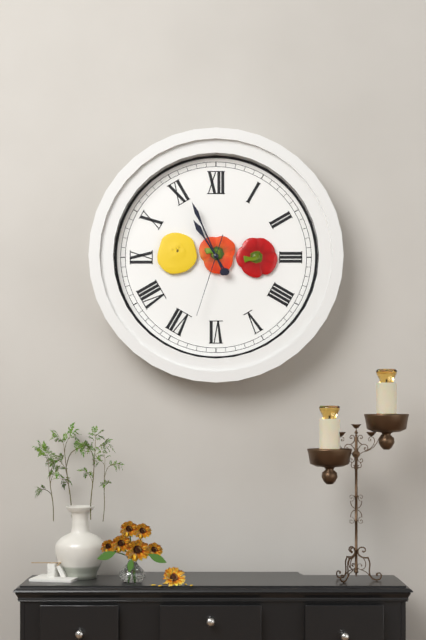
10:56:33
